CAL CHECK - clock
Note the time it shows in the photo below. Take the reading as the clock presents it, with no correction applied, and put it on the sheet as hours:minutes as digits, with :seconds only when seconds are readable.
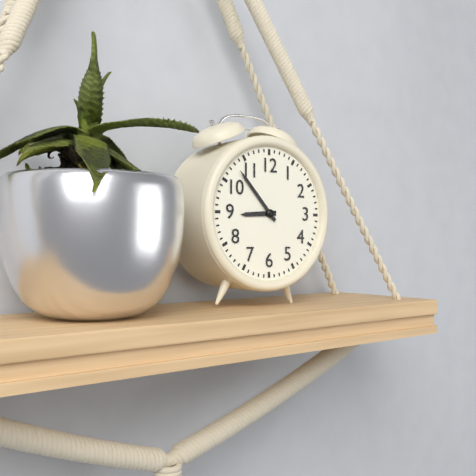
8:53
